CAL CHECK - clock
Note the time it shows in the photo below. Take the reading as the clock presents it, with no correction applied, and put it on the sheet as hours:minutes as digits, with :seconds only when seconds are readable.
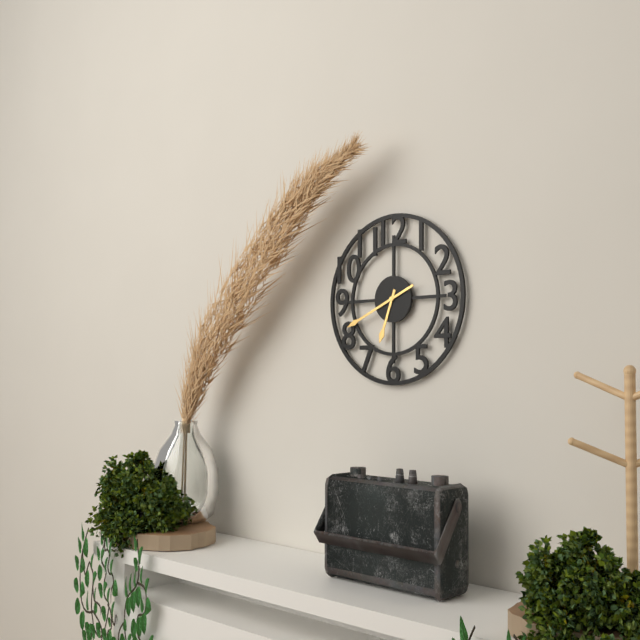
6:41
